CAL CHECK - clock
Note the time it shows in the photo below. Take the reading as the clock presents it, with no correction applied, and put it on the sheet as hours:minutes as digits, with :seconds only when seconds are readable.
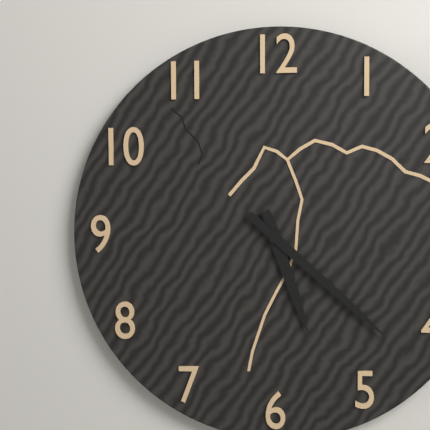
5:22
